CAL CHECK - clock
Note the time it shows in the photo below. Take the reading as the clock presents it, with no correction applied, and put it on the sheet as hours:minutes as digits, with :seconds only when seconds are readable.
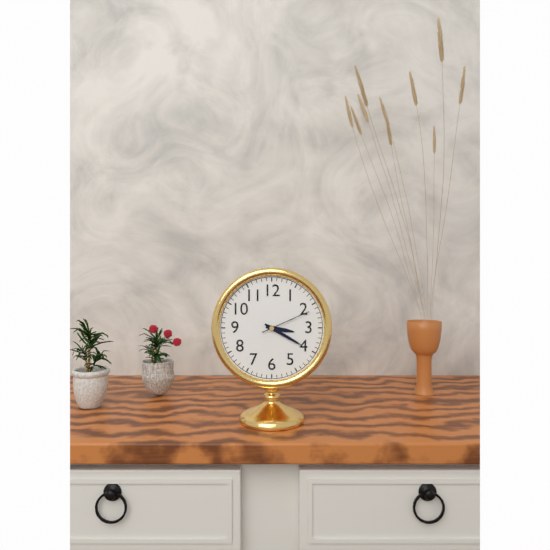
3:20:11
